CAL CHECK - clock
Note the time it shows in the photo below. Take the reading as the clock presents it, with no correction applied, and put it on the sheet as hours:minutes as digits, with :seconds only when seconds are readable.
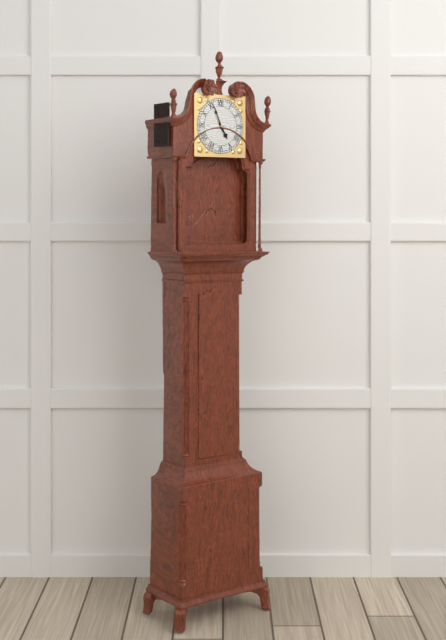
4:56
